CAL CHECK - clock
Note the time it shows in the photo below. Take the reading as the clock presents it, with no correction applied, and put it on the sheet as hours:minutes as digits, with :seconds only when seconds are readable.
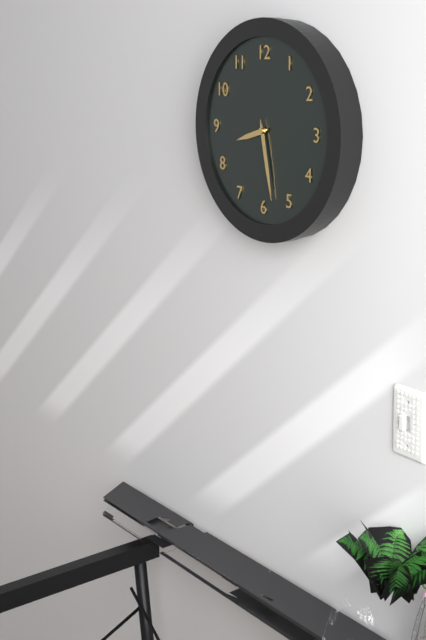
8:28
